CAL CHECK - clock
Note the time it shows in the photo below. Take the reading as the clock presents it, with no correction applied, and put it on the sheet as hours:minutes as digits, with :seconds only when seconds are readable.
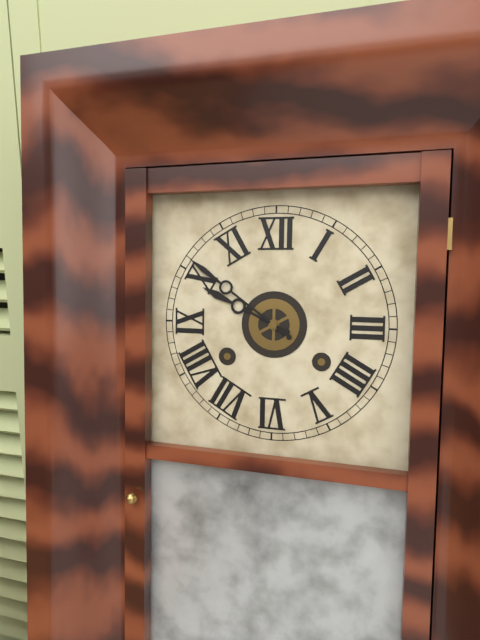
9:51
